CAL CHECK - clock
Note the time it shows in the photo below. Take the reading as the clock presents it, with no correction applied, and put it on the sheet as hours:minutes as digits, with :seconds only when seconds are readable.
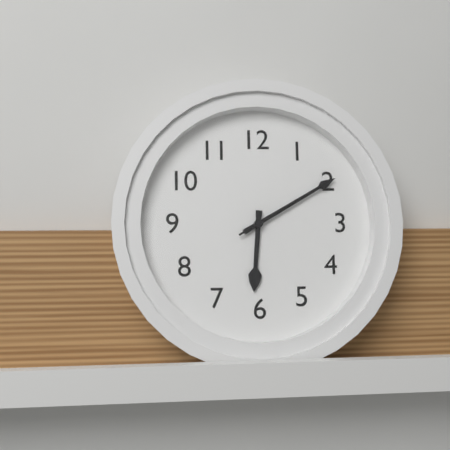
6:10:10
